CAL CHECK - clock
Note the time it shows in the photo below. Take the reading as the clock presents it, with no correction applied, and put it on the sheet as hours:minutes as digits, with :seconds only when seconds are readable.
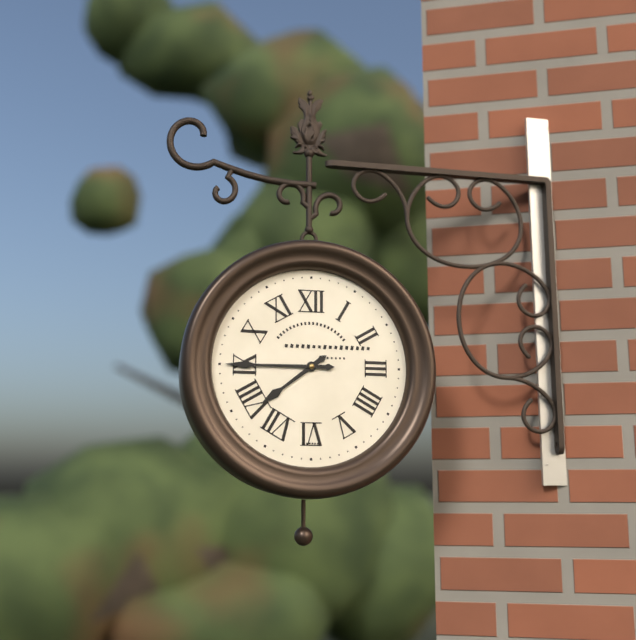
7:45
